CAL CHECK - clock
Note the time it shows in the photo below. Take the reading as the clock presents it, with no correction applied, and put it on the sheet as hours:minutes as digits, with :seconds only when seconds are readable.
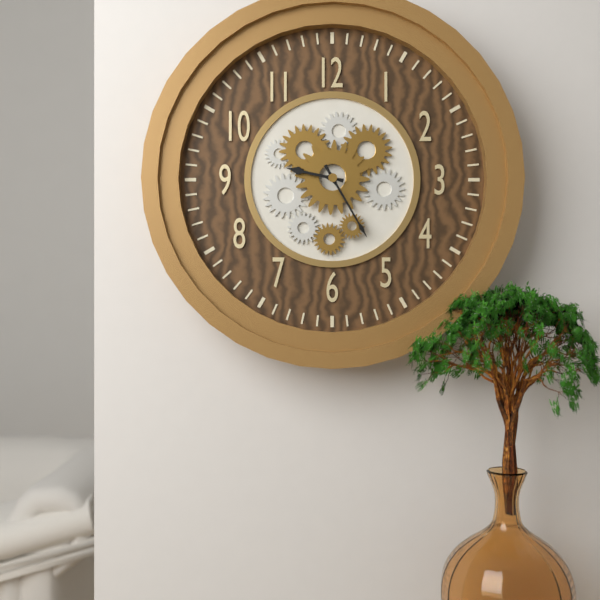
9:25
